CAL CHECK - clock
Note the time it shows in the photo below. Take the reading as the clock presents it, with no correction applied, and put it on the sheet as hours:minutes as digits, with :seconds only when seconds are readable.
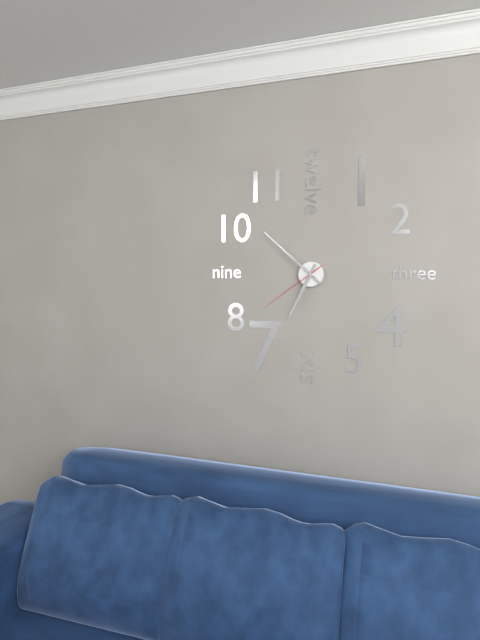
6:52:39
